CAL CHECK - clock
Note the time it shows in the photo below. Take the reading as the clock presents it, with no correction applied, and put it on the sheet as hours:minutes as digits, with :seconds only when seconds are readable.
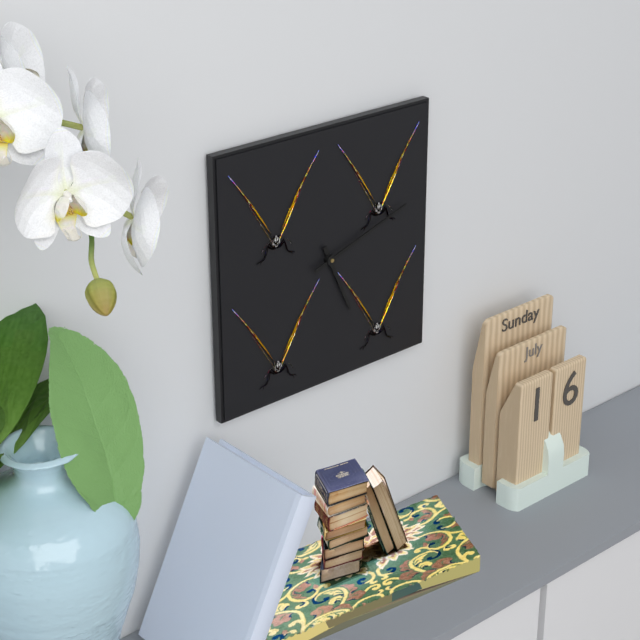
5:12
